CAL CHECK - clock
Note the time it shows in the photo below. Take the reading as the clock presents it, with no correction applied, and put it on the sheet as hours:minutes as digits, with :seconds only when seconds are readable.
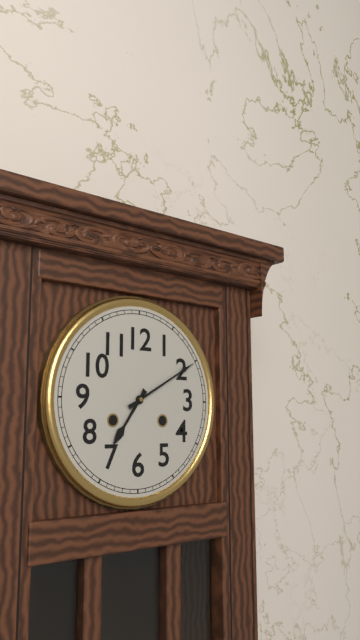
7:10
